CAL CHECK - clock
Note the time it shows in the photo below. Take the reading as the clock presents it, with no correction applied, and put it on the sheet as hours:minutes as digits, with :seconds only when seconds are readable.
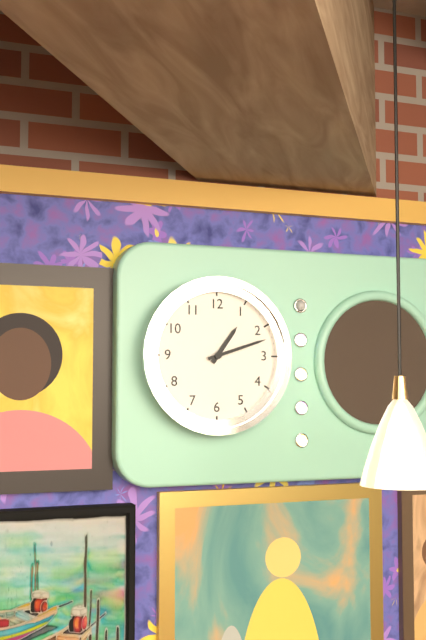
1:12
